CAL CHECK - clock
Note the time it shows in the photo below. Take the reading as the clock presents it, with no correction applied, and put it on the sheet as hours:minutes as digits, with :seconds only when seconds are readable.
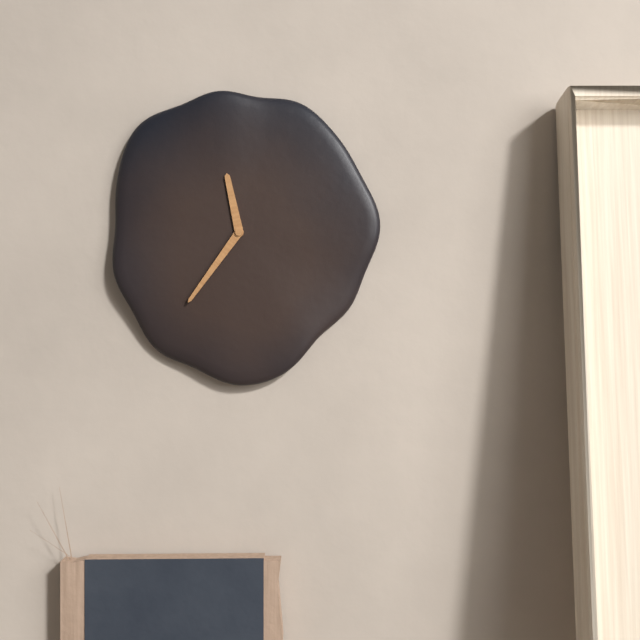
11:36
